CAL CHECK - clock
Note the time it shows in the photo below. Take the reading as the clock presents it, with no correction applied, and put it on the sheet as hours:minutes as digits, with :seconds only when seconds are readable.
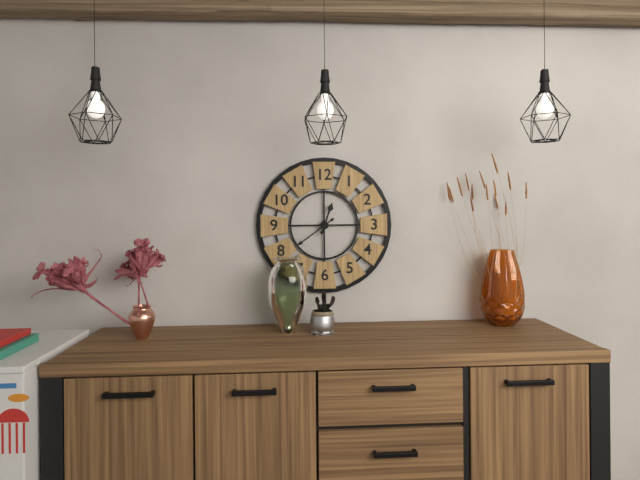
12:39
